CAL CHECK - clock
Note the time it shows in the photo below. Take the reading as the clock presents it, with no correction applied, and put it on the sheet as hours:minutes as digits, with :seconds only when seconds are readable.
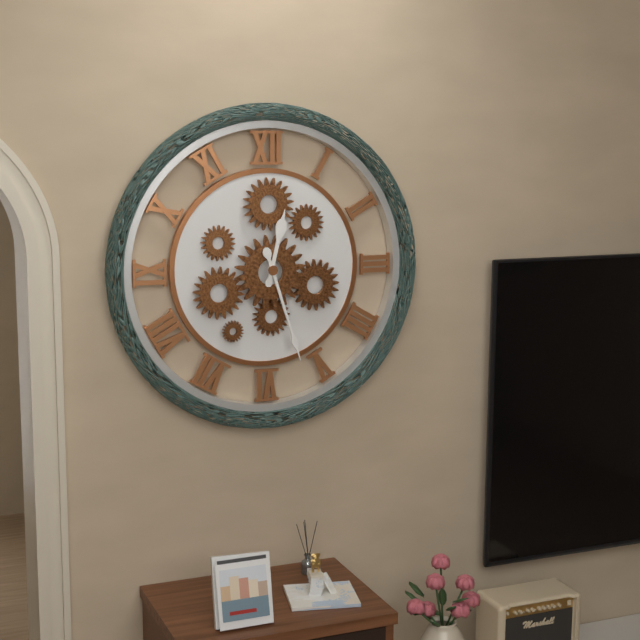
12:27
